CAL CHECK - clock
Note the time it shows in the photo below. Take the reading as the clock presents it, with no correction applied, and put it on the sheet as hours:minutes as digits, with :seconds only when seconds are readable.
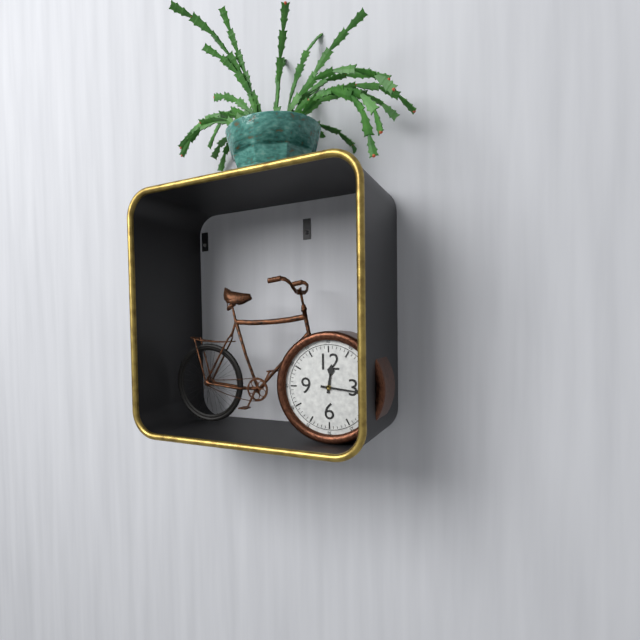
12:16
